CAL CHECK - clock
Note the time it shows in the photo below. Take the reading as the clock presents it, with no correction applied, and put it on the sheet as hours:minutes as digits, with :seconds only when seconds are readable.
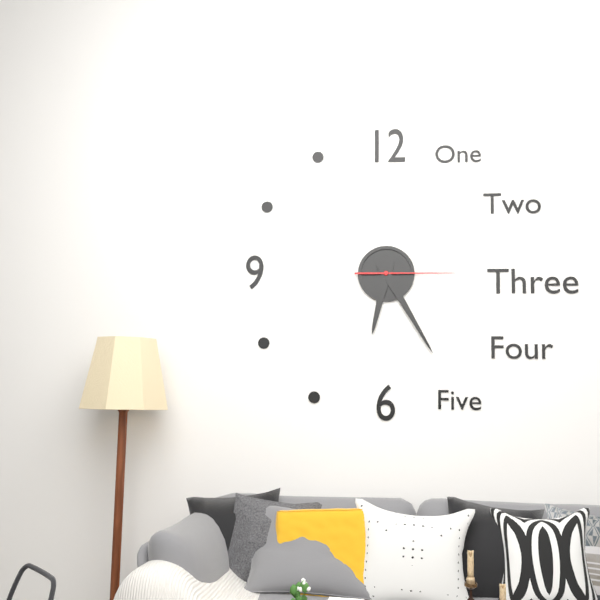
6:25:15
